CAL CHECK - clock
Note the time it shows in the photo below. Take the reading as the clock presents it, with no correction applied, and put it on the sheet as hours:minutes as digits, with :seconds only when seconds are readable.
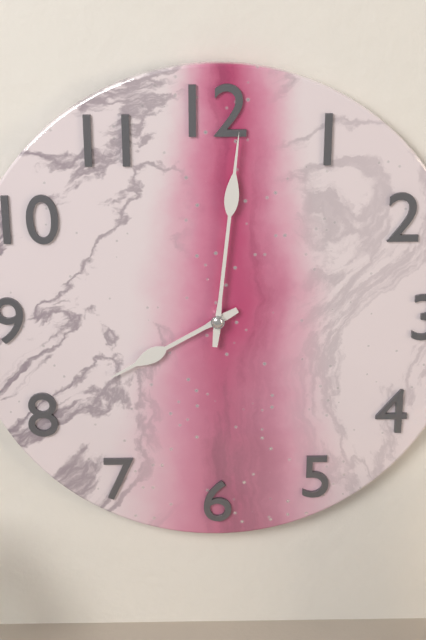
8:01
